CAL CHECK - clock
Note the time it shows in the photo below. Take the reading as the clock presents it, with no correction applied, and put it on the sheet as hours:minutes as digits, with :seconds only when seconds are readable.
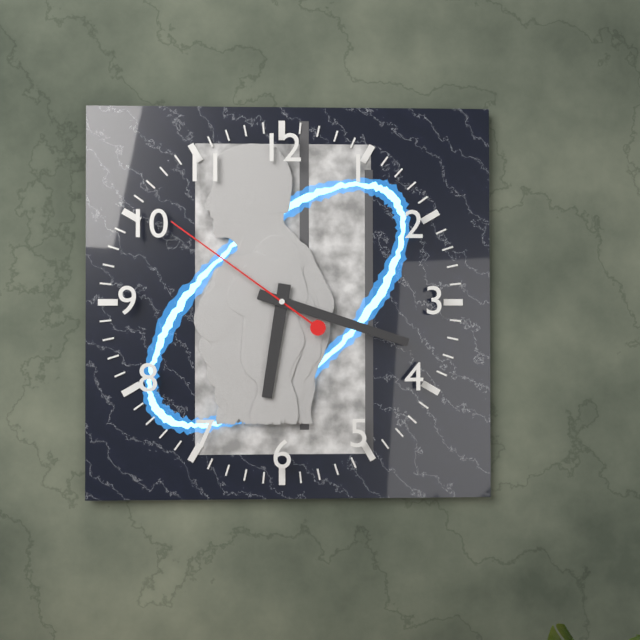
6:18:51
